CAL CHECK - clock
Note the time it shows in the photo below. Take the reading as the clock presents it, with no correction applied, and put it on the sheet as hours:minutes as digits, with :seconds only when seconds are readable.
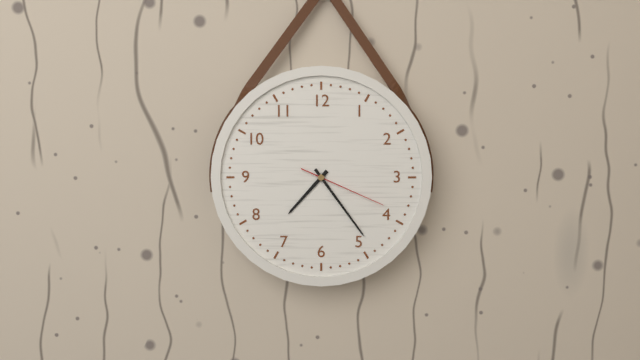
7:24:19
